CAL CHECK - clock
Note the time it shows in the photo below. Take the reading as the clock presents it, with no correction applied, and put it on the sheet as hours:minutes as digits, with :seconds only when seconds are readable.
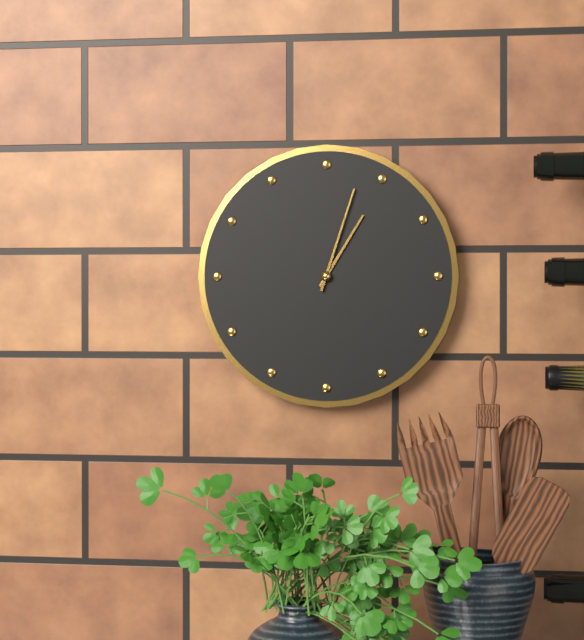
1:03
